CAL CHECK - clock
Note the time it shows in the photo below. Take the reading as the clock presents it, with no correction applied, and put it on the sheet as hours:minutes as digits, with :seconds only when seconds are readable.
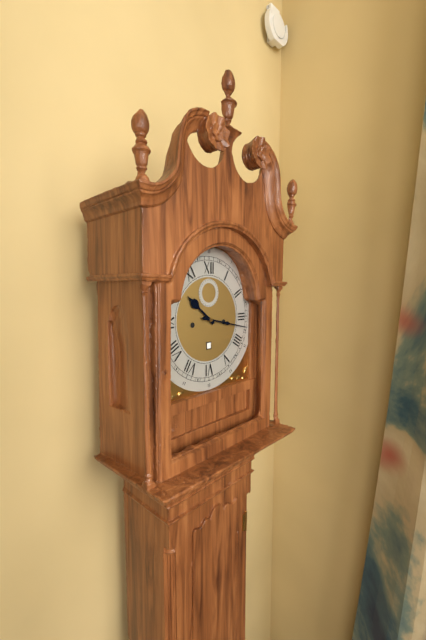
10:17
